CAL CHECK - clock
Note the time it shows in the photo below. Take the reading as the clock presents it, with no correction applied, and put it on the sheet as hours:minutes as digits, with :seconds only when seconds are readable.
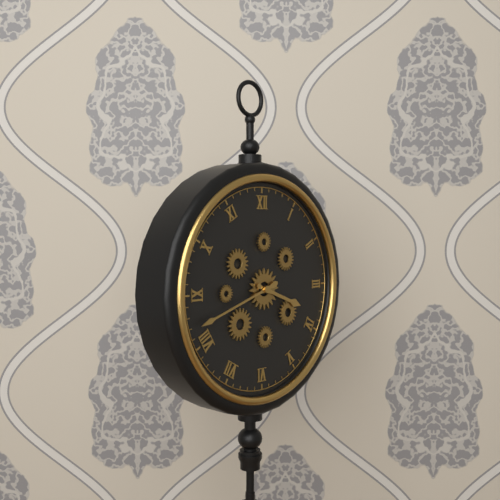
3:42
